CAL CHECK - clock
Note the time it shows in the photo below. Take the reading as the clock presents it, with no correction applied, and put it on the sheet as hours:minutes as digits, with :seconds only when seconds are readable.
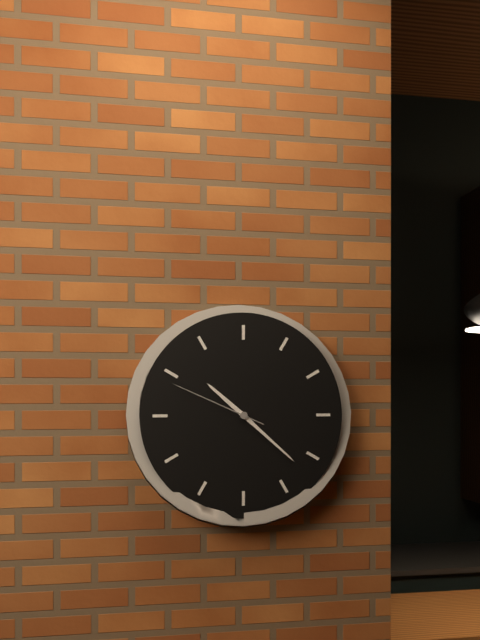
10:22:49
